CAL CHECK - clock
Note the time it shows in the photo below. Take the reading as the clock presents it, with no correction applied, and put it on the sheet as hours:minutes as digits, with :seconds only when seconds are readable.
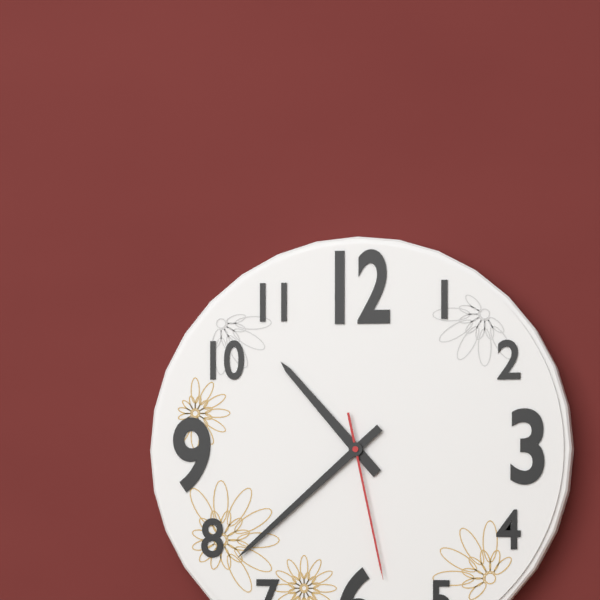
10:38:28
